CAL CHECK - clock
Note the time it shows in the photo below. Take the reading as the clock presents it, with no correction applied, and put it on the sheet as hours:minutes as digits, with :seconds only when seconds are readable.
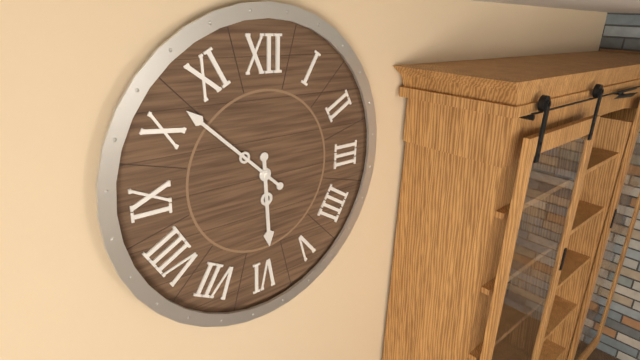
5:52
